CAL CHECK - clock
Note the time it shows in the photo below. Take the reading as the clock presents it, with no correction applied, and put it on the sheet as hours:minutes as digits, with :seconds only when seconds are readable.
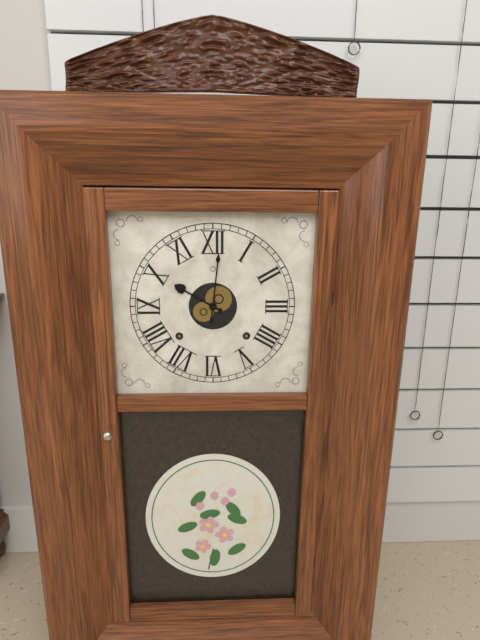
10:01
